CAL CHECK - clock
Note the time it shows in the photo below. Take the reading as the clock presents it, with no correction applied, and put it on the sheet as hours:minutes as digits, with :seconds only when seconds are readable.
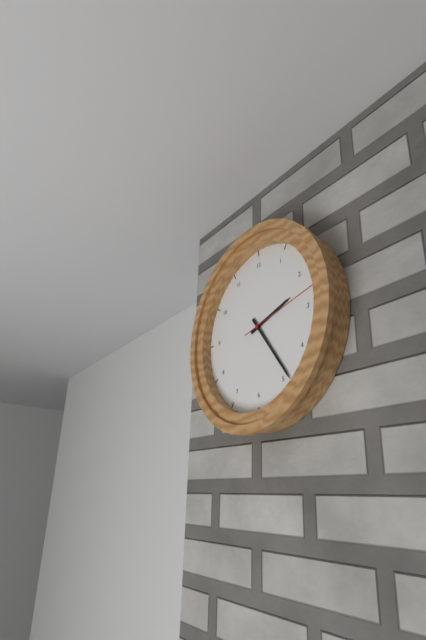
2:24:13
